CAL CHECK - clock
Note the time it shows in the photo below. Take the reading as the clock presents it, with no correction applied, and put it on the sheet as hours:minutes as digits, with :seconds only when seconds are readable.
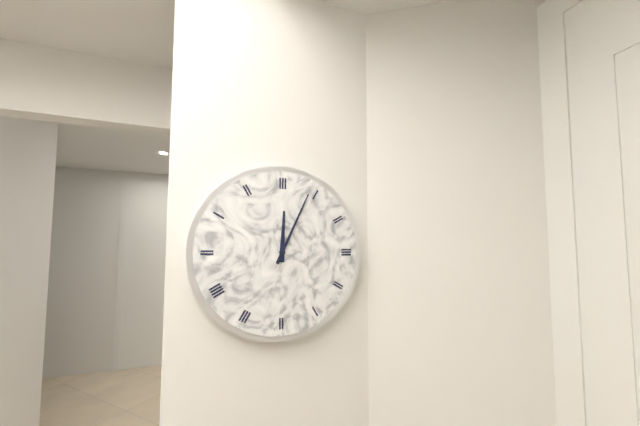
12:04
